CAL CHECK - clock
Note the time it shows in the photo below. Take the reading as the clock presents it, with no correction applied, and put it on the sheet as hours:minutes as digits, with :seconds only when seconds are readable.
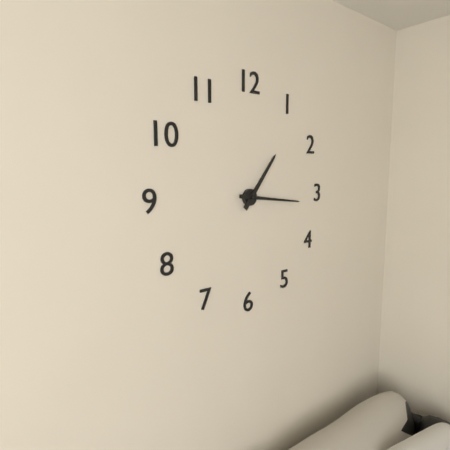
1:16
